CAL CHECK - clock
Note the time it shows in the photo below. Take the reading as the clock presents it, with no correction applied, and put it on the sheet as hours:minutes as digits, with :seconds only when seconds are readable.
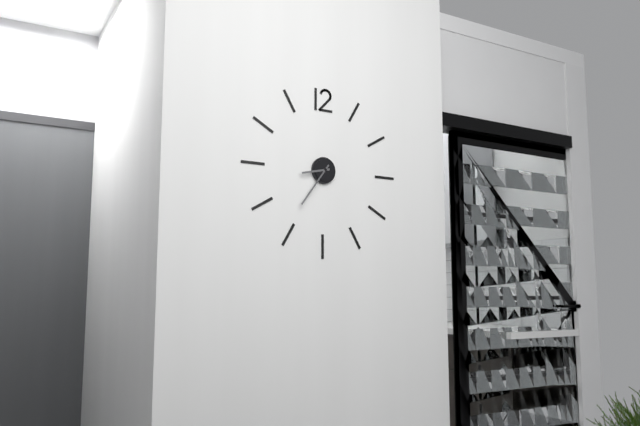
8:36
